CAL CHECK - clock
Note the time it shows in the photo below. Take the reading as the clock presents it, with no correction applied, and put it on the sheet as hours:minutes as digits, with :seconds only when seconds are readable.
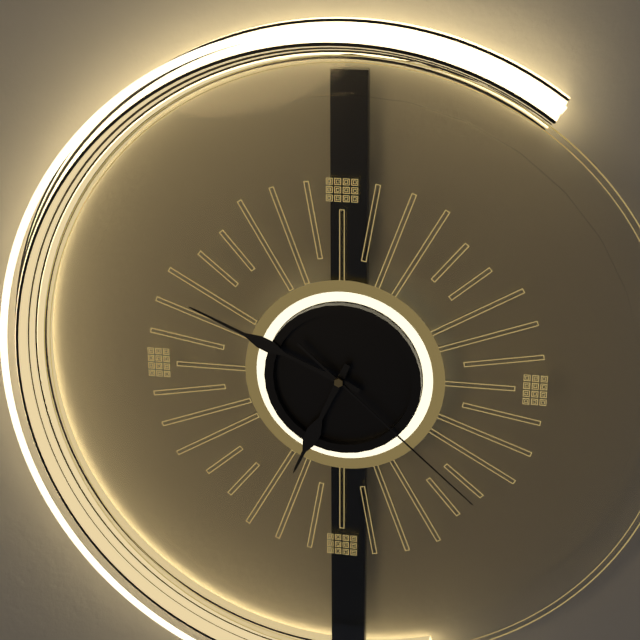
6:49:22
